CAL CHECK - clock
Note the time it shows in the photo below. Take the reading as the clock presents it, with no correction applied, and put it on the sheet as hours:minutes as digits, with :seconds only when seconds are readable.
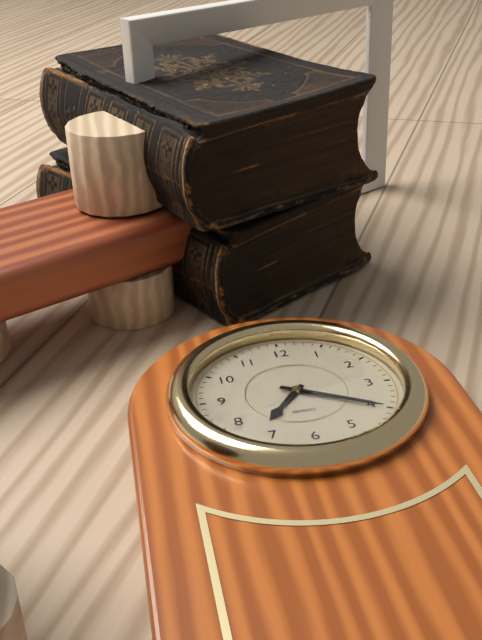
7:20
